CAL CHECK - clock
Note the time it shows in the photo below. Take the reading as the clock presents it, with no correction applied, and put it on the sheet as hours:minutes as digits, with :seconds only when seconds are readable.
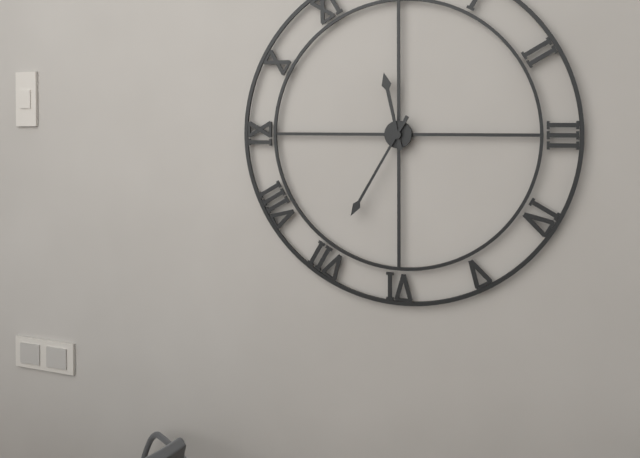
11:35
